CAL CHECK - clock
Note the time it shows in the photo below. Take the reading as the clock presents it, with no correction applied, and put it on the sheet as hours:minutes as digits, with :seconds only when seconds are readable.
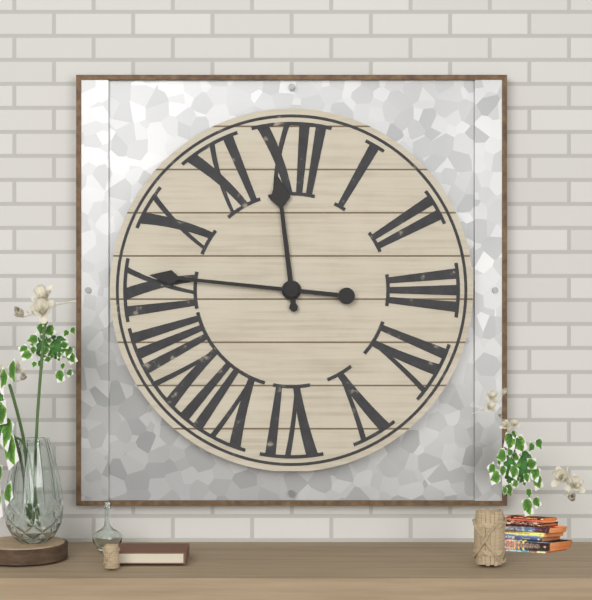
11:46
